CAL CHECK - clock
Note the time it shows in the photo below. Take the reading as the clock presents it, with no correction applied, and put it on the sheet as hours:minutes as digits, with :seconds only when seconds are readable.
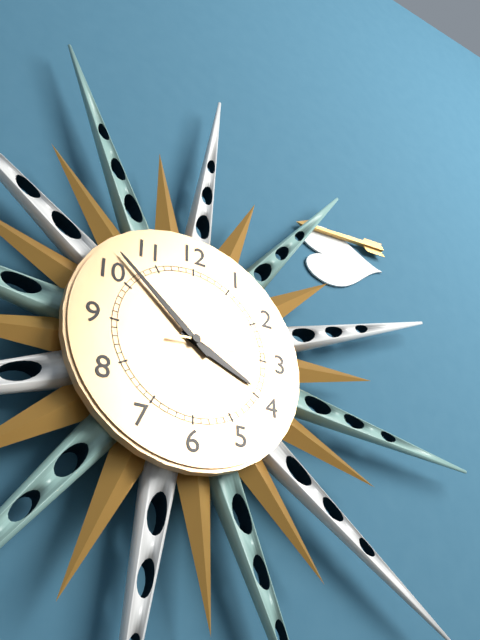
3:52:14
